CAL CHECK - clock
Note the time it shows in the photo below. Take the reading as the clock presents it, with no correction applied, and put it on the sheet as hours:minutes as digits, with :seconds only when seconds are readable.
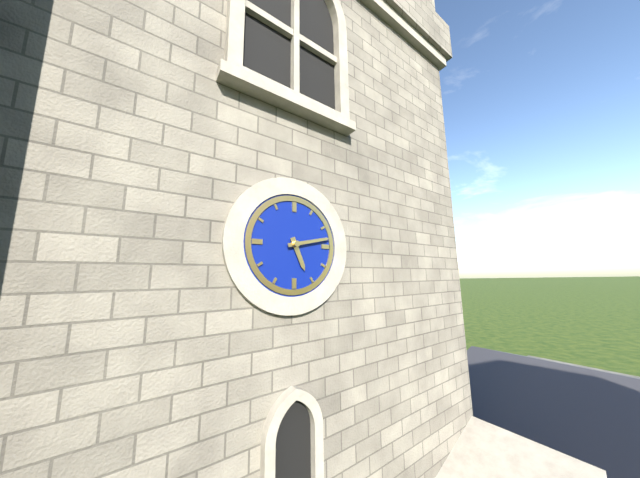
5:13
